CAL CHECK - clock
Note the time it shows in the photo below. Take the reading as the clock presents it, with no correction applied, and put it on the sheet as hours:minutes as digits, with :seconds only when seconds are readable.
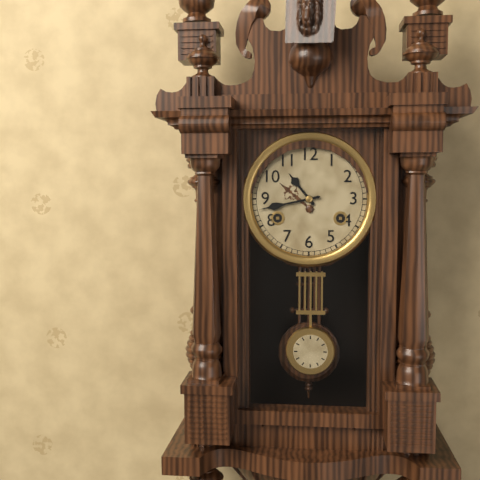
10:43
